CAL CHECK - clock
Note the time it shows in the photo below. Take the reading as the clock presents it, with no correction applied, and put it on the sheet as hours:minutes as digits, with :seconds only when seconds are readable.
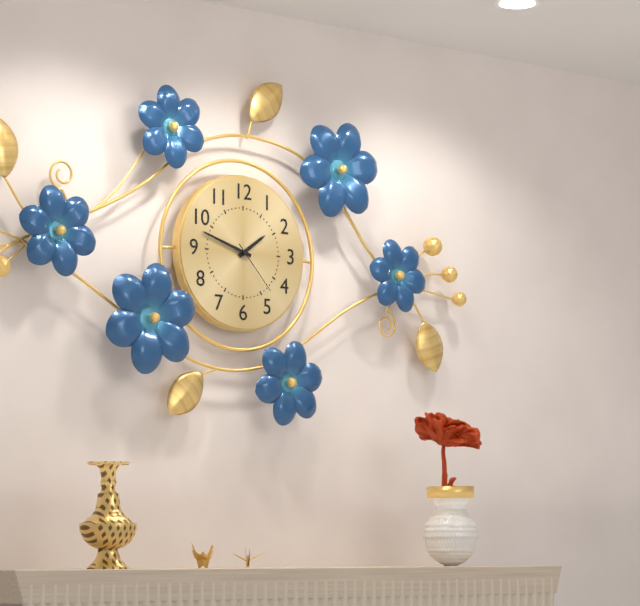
1:48:23
